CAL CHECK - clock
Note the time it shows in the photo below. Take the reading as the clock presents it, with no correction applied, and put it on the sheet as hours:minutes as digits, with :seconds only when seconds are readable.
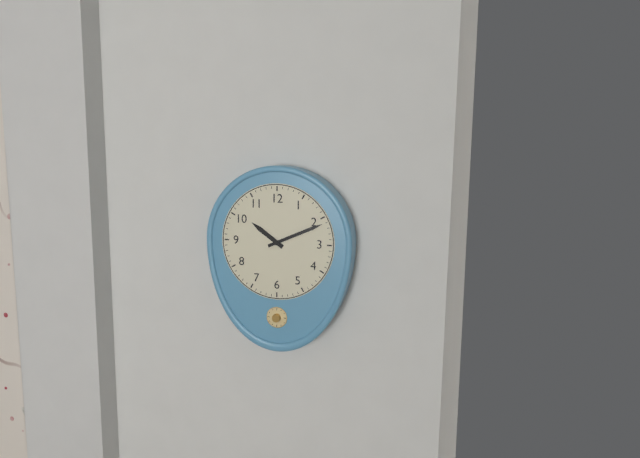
10:11
